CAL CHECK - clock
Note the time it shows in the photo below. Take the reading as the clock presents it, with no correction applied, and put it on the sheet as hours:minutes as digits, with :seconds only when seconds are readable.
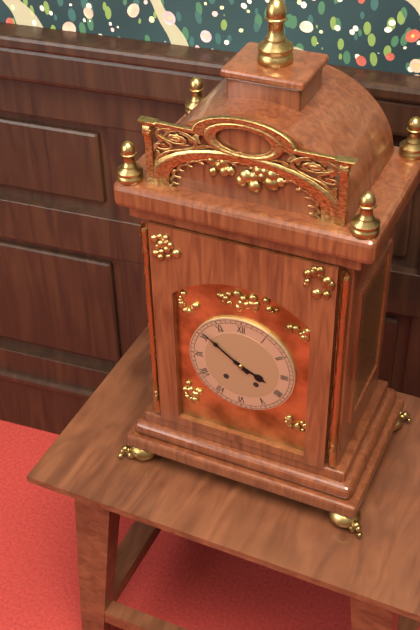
3:51
